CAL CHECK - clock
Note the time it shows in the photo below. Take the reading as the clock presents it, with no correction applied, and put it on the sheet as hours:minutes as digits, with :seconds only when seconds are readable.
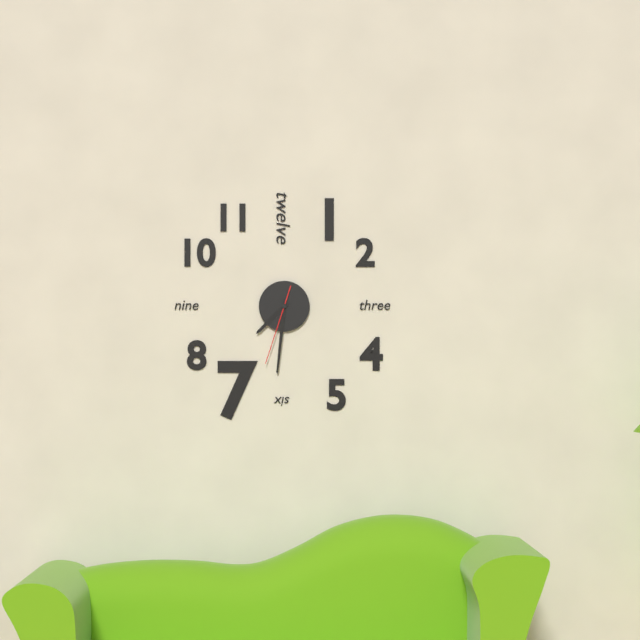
7:31:33
